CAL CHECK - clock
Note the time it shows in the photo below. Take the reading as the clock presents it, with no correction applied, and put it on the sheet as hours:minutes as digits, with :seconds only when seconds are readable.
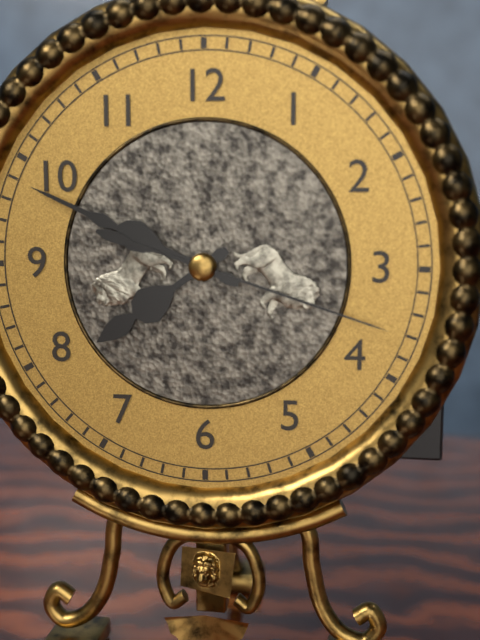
7:49:18
